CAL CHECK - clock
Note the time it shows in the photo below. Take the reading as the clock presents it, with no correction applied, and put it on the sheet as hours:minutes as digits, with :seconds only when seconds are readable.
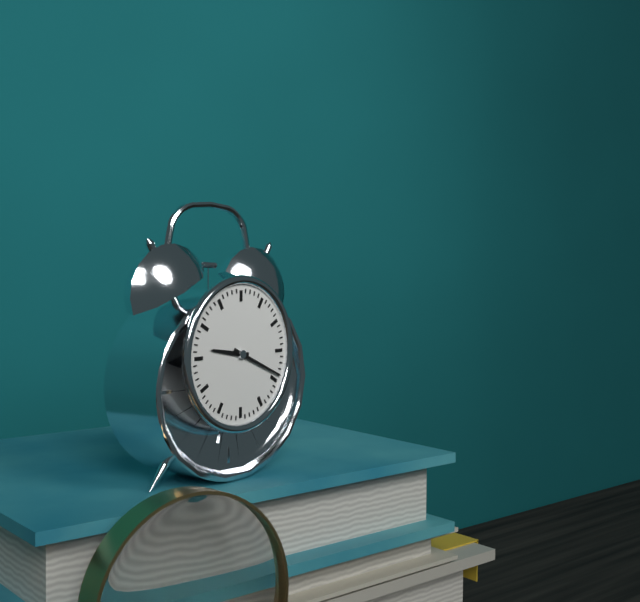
9:19
